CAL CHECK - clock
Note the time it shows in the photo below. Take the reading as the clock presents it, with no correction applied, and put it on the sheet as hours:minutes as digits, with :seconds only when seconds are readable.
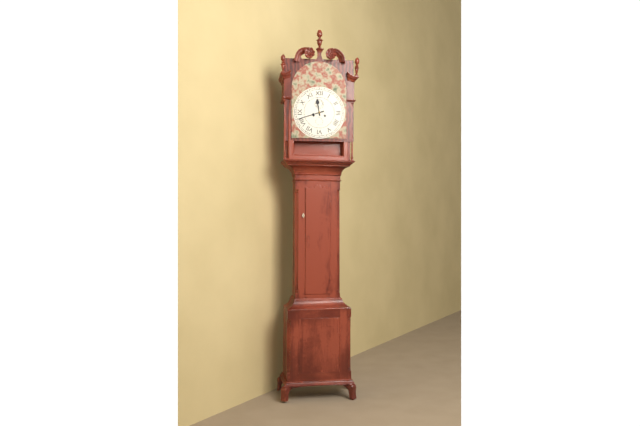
11:42
